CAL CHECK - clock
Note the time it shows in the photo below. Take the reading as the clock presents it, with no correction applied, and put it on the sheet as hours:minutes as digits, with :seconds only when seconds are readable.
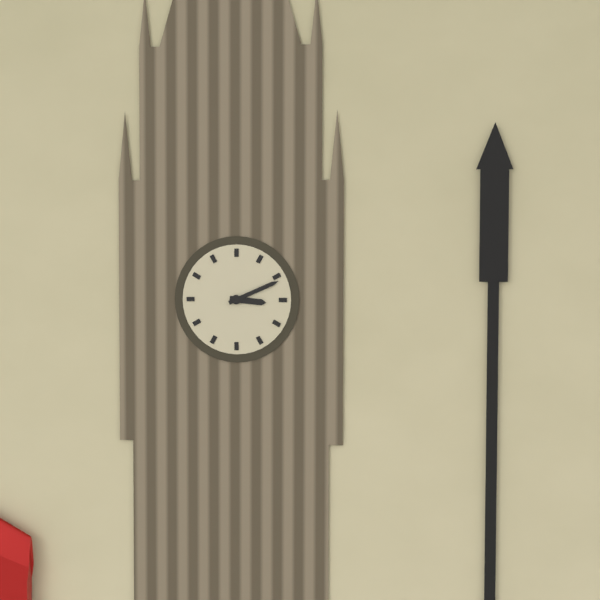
3:11
